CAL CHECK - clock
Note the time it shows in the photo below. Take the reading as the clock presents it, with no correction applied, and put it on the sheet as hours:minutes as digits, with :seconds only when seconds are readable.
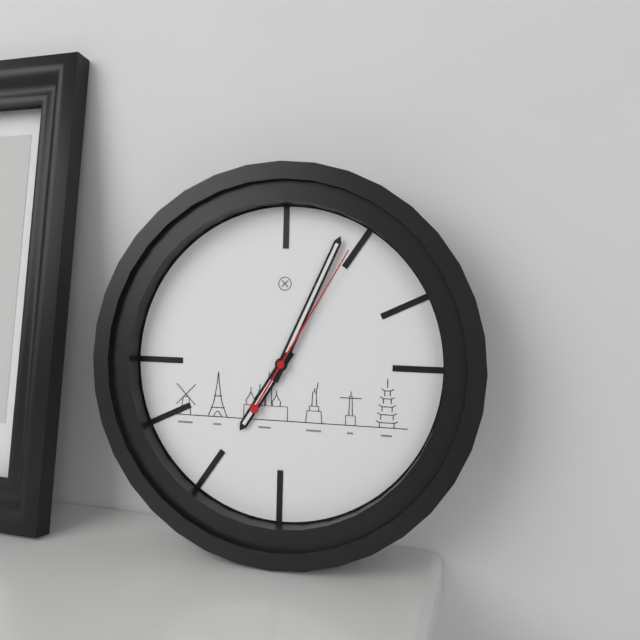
7:04:05
